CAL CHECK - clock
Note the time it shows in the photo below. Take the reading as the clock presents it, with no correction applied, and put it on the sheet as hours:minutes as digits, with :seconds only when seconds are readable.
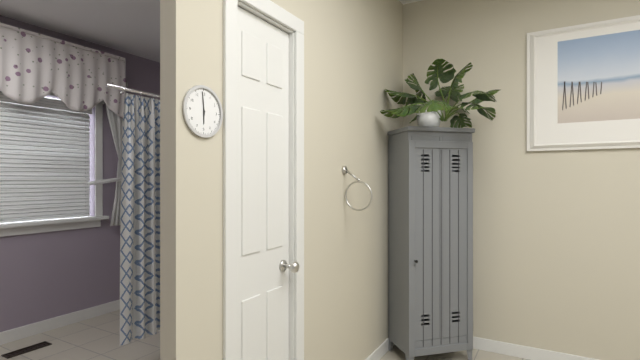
5:59
